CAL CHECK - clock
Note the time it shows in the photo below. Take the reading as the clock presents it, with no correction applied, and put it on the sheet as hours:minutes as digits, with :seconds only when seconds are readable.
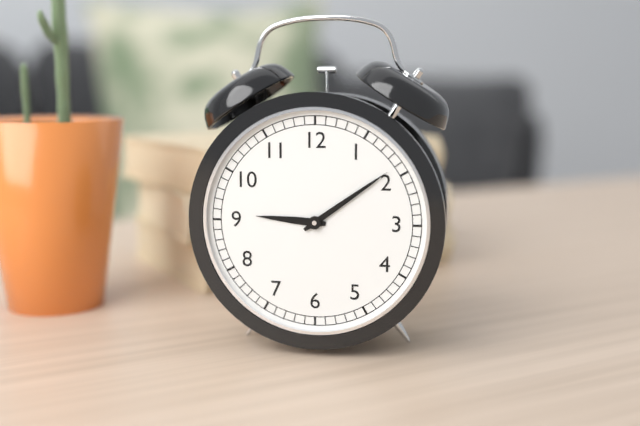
9:09
